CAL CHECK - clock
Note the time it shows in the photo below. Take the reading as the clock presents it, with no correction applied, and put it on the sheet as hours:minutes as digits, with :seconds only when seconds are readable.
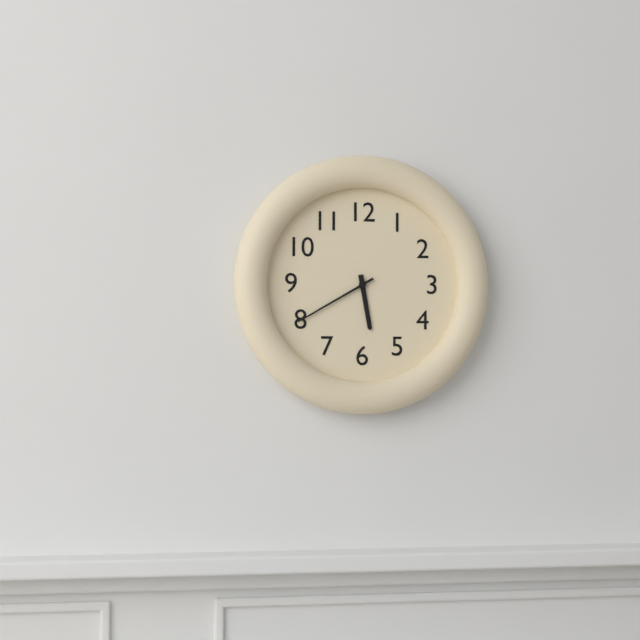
5:40
